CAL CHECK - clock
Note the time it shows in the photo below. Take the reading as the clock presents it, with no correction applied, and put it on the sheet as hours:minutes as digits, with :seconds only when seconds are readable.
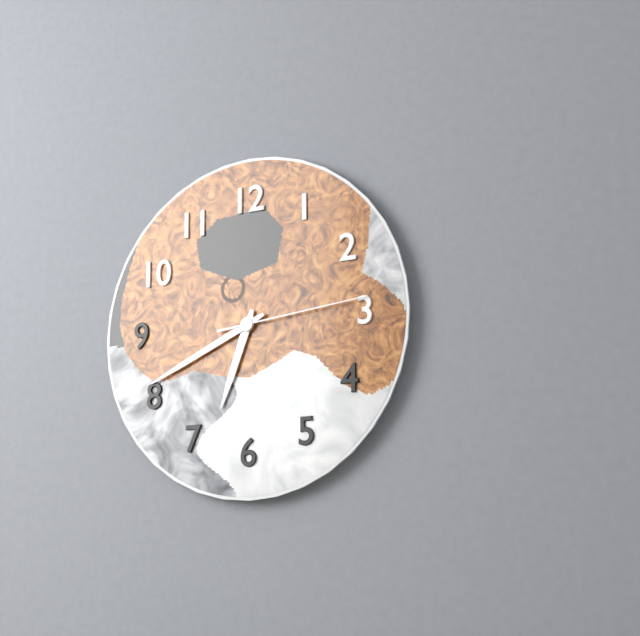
6:41:14
